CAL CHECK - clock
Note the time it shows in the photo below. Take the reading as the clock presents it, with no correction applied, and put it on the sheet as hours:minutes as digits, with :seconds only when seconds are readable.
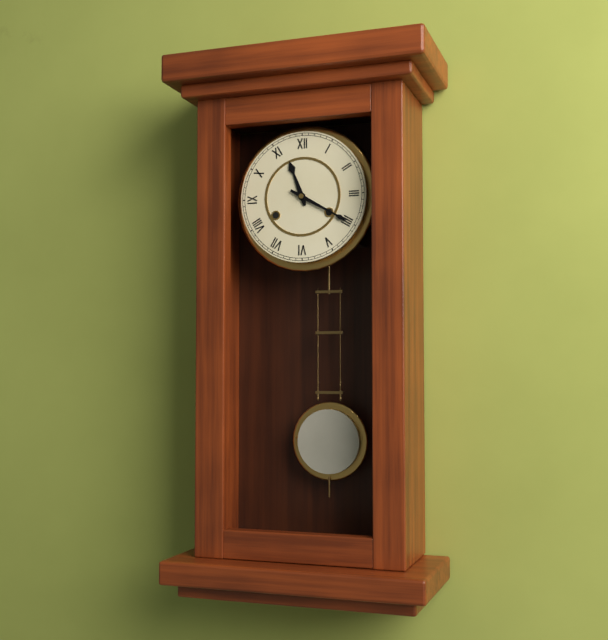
11:20
